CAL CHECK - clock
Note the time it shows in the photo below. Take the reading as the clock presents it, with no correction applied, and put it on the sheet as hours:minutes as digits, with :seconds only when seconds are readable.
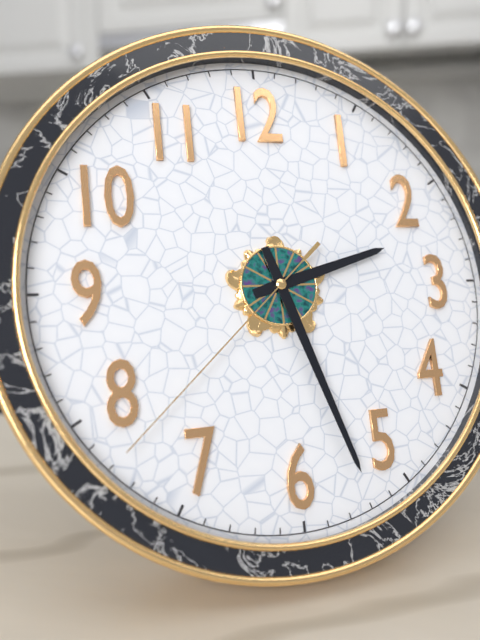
2:27:38
